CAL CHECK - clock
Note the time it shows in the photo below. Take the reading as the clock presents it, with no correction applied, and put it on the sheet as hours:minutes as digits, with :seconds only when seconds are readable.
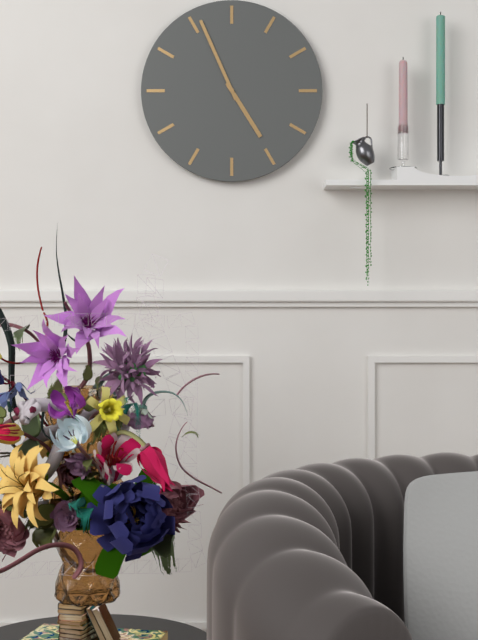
4:56
